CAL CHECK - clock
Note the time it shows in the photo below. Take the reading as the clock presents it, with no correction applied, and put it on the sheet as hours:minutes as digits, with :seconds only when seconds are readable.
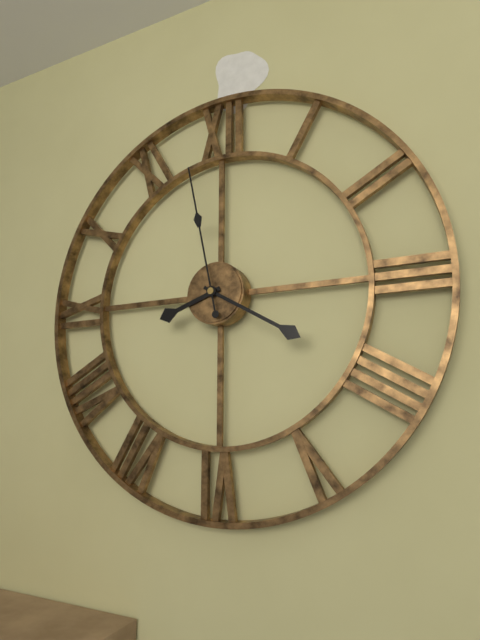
8:20:58
